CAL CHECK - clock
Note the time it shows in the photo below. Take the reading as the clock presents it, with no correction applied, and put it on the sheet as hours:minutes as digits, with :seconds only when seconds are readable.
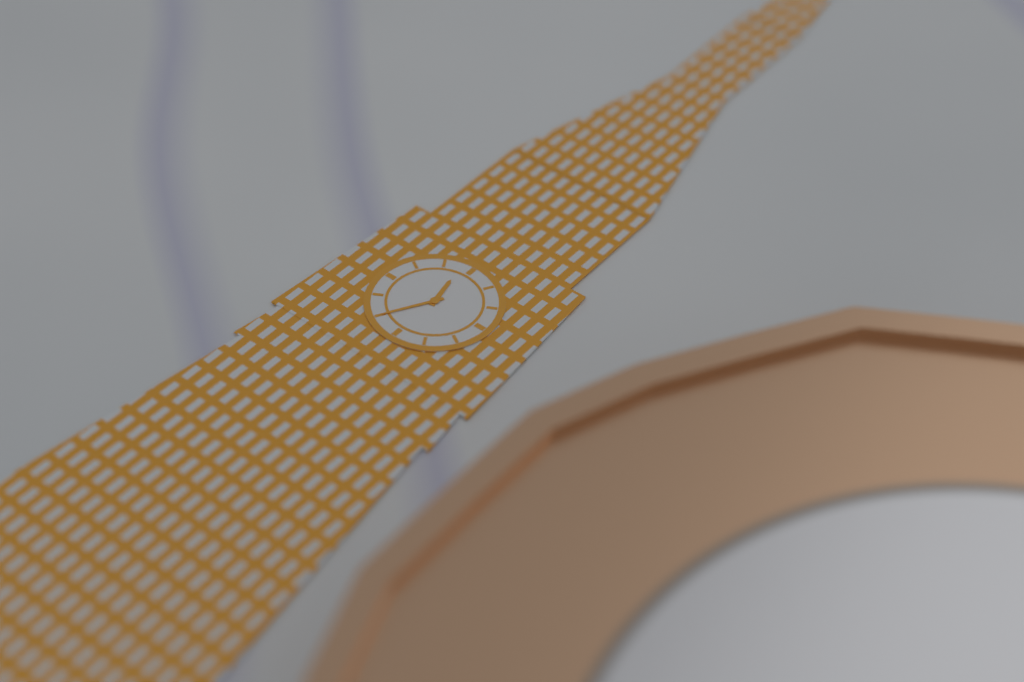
11:35
